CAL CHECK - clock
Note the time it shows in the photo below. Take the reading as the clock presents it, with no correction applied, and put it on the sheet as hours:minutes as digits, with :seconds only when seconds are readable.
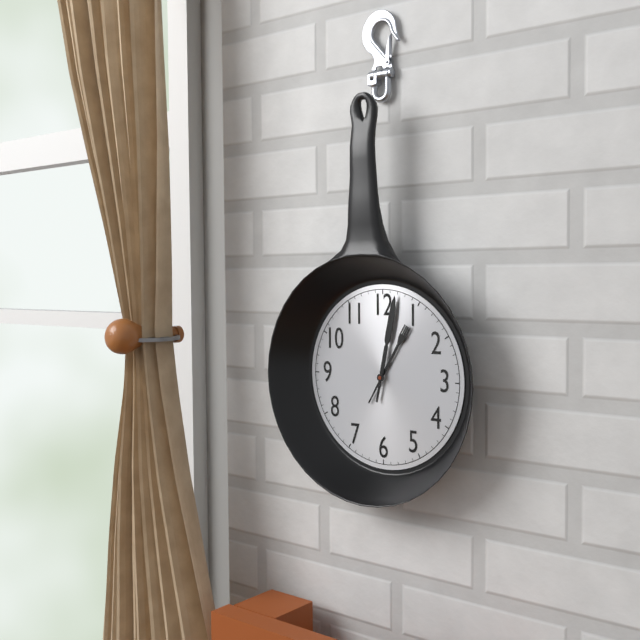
1:02
